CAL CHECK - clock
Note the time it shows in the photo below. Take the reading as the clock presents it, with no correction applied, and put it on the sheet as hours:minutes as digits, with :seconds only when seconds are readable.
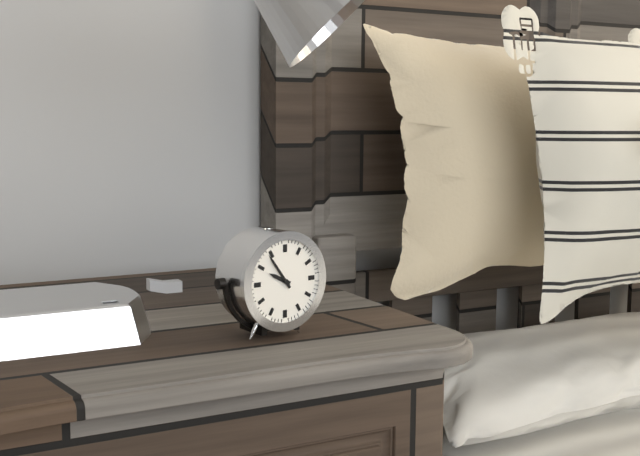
9:54
